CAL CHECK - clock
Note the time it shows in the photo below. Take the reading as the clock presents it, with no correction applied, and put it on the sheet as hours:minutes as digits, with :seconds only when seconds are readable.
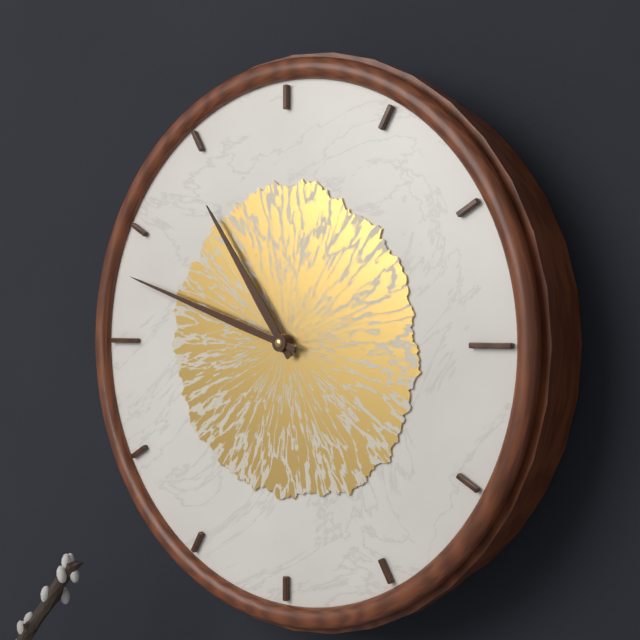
10:48
